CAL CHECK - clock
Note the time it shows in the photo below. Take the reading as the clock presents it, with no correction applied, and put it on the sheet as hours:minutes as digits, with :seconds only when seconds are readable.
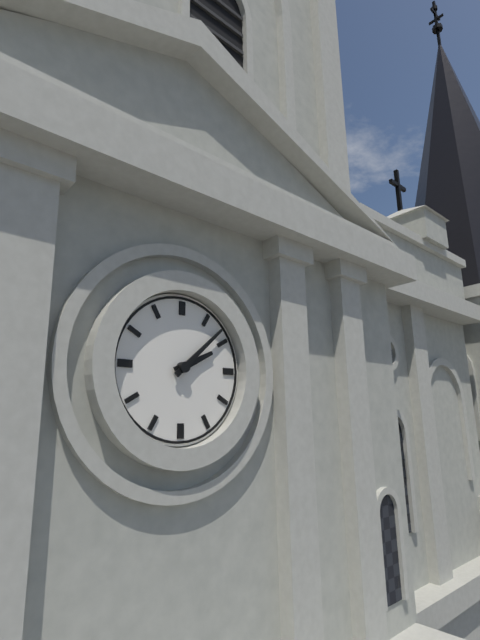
2:08
